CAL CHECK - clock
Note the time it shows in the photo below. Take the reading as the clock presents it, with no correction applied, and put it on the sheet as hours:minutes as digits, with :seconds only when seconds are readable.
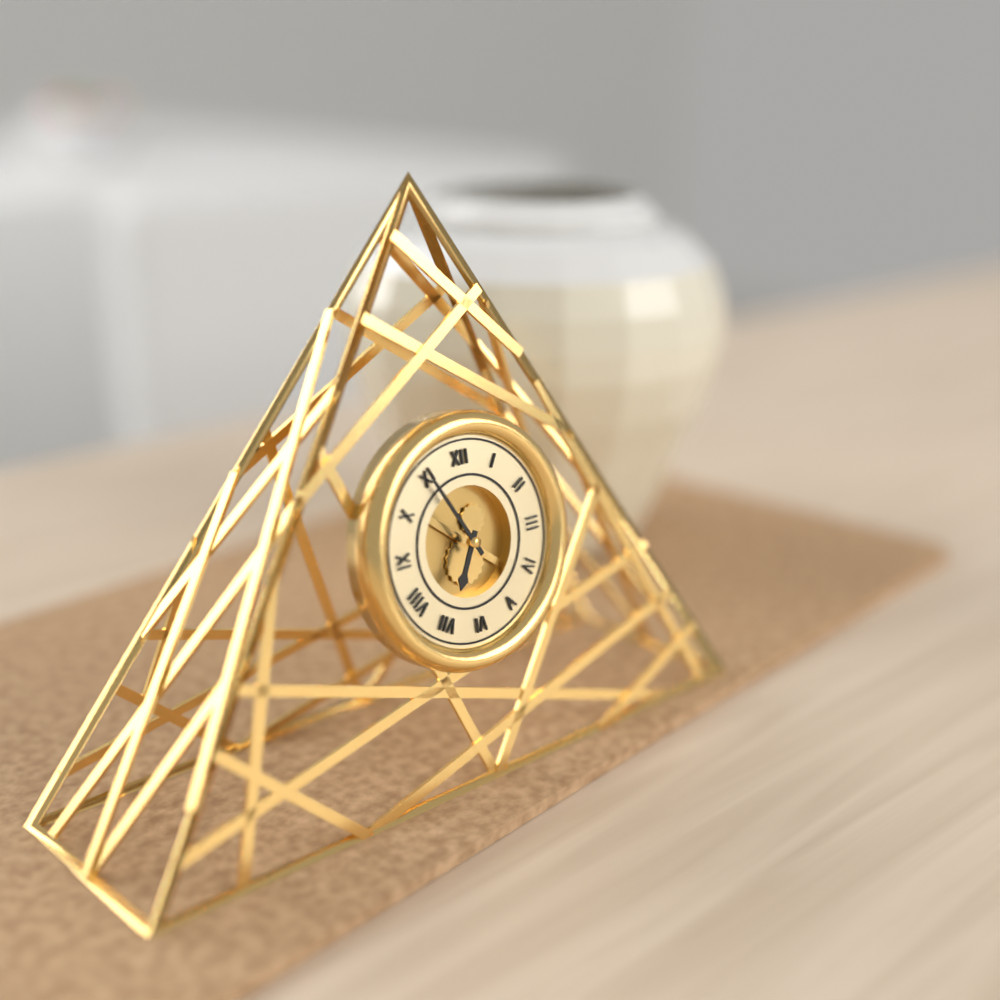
6:55
